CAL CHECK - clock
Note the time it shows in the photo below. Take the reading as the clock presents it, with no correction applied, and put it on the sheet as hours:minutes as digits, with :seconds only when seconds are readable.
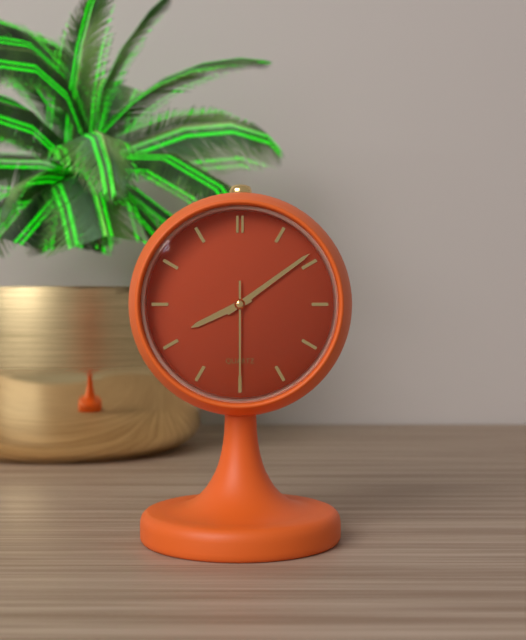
8:09:30
